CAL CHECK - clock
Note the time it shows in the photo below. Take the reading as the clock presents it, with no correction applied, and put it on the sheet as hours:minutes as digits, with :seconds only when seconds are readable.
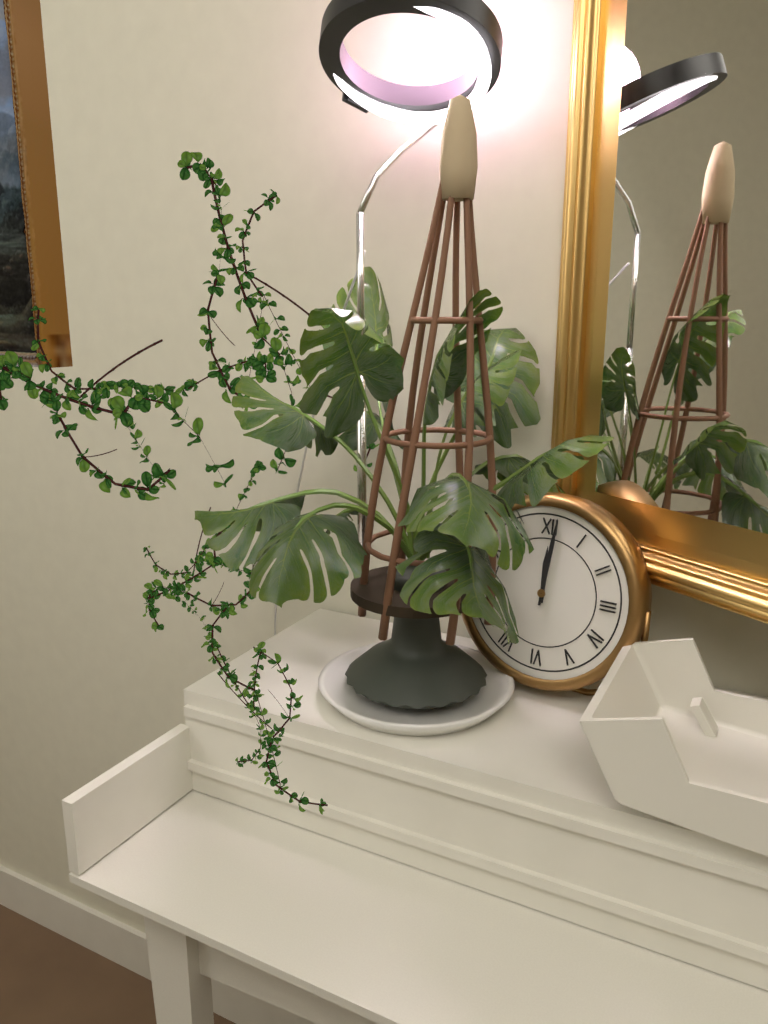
12:01
